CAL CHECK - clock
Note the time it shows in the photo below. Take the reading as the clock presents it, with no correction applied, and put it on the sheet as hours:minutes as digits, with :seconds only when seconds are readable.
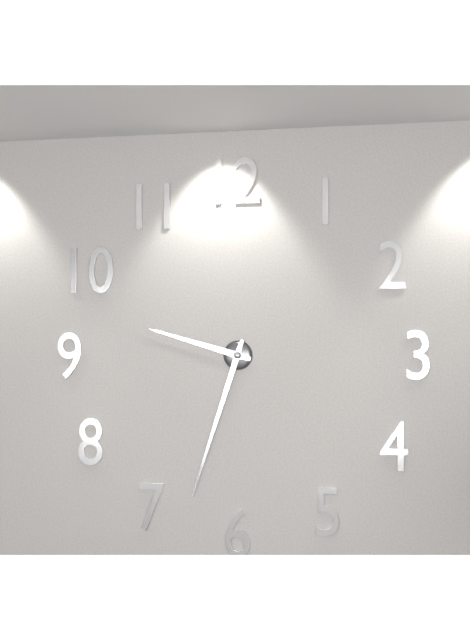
9:33
